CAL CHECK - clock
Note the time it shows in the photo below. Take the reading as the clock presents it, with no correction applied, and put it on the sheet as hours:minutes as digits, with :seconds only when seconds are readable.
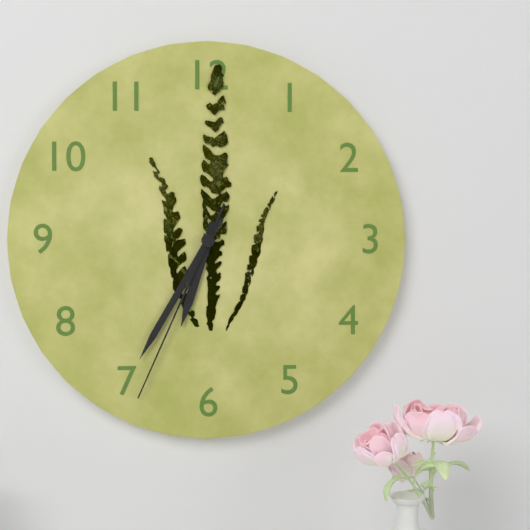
6:35:34
